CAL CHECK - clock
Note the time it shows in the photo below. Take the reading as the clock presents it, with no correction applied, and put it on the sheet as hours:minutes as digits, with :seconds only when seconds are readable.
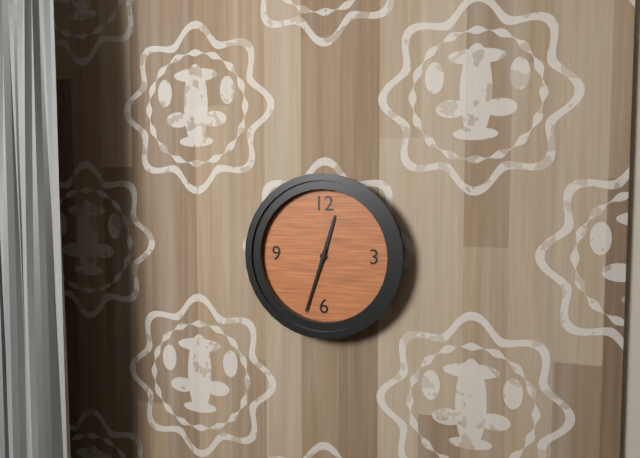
12:33
